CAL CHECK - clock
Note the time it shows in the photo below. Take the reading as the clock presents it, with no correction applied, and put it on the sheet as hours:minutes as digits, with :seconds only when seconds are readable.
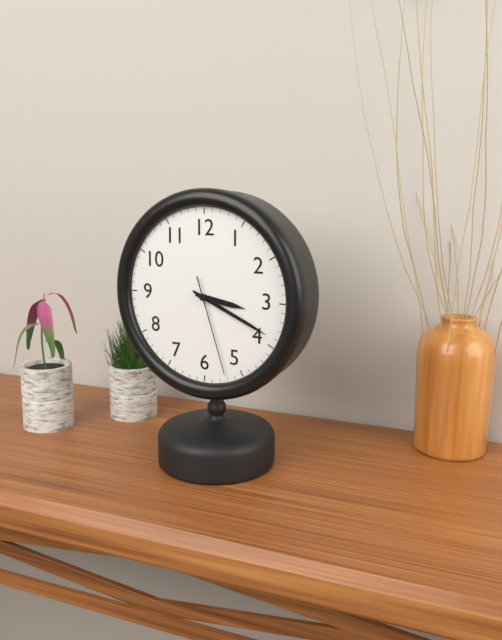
3:19:27
